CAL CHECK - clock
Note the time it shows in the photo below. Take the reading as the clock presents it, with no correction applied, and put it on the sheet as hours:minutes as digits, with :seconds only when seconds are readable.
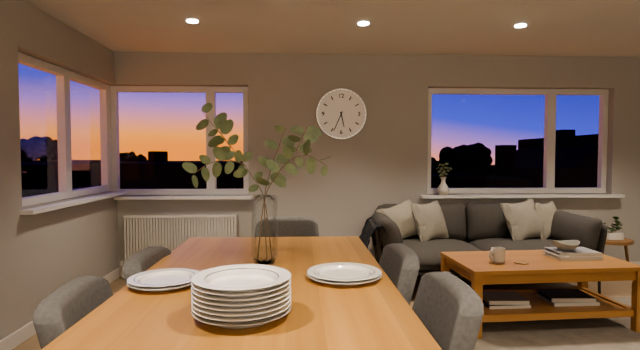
5:34
